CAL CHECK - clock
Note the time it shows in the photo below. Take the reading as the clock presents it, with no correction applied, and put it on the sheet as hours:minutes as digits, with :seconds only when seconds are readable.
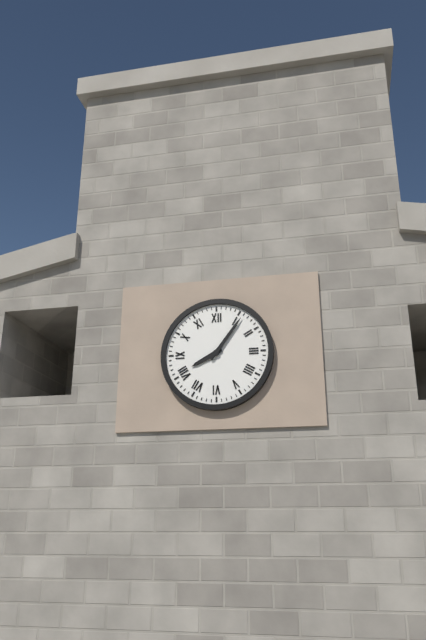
8:06
